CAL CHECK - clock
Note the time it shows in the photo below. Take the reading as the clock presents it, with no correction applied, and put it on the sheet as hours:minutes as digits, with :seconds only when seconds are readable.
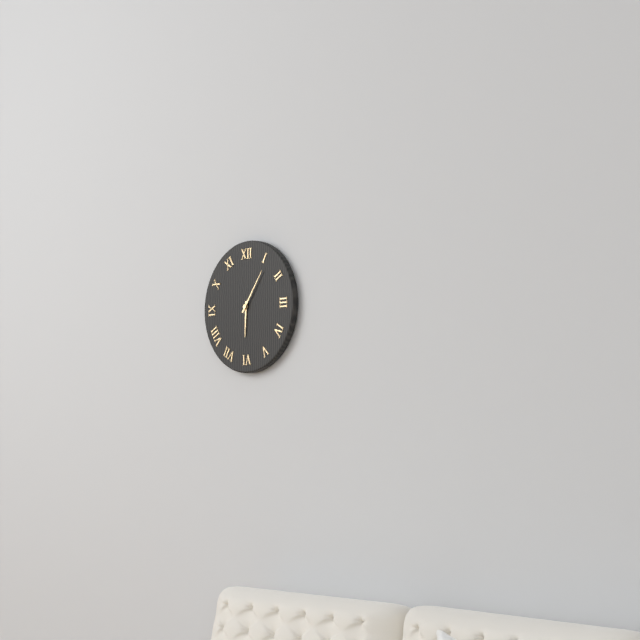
6:06
